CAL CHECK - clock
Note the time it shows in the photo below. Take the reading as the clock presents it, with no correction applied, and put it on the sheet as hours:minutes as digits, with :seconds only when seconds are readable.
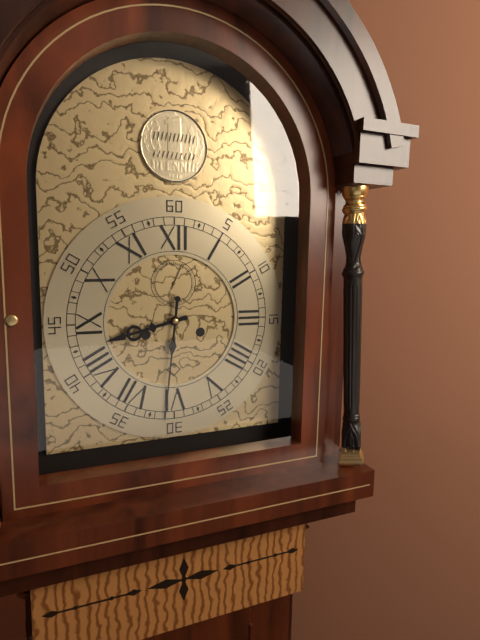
8:31
